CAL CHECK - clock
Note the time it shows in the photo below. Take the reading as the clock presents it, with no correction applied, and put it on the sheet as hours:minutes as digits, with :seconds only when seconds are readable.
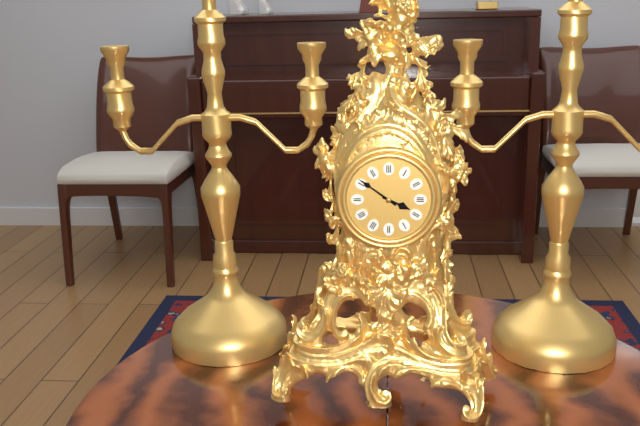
3:51
